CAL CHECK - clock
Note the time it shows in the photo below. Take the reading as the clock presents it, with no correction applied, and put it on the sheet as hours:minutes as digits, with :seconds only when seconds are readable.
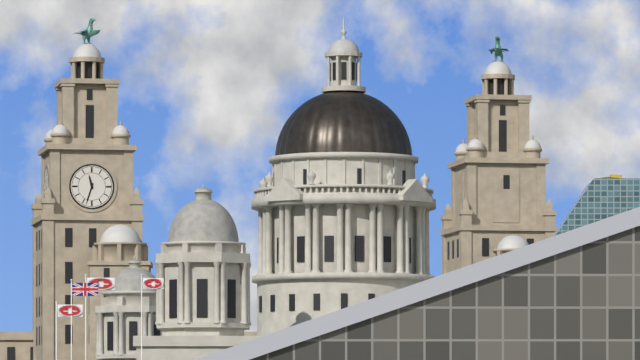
11:33
